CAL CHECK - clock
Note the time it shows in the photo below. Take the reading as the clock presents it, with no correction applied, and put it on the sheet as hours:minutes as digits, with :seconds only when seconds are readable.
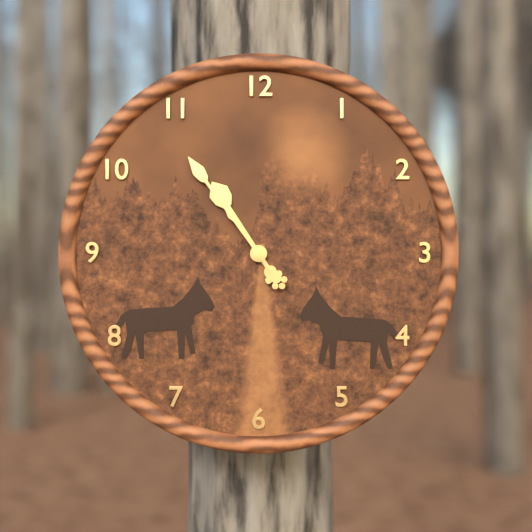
10:54
